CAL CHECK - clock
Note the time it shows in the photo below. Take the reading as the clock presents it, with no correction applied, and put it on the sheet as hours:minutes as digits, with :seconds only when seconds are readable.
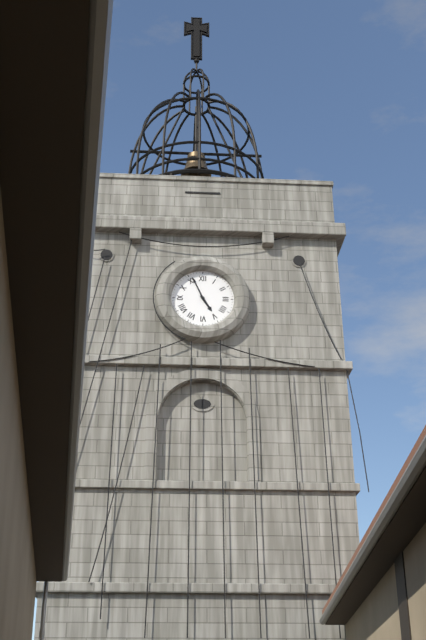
4:56
